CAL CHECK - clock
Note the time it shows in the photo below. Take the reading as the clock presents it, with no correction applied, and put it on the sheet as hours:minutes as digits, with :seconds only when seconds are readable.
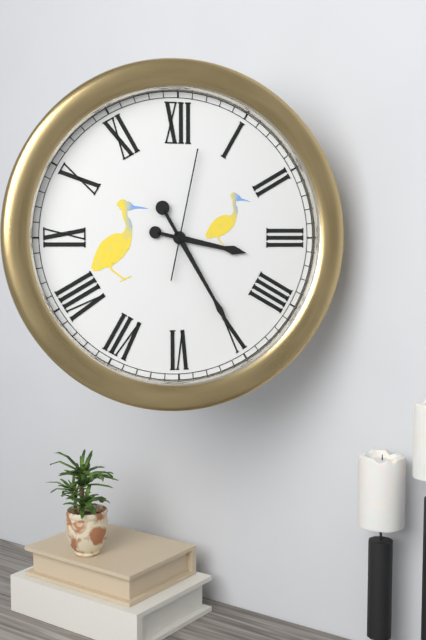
3:25:02
